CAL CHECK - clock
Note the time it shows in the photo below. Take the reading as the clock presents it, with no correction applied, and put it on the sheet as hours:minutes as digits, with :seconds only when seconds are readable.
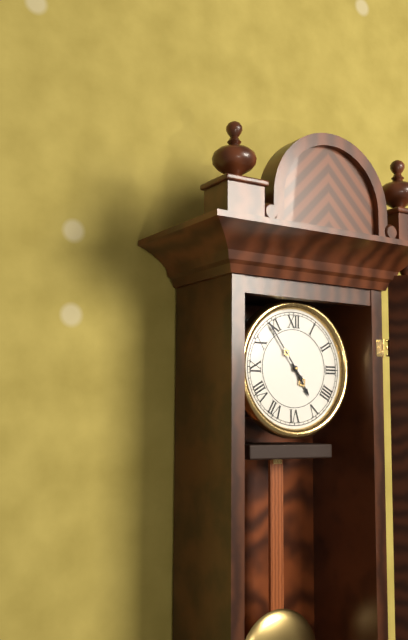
4:54
